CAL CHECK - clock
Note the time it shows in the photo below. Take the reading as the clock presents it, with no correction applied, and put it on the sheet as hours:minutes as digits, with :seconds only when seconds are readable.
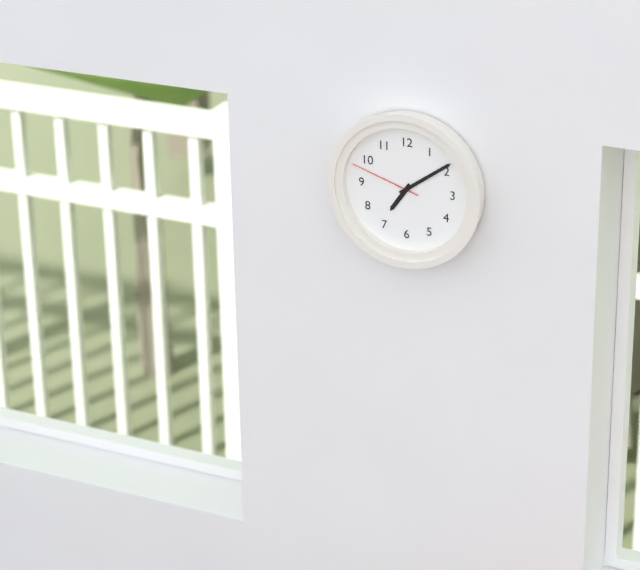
7:09:48
